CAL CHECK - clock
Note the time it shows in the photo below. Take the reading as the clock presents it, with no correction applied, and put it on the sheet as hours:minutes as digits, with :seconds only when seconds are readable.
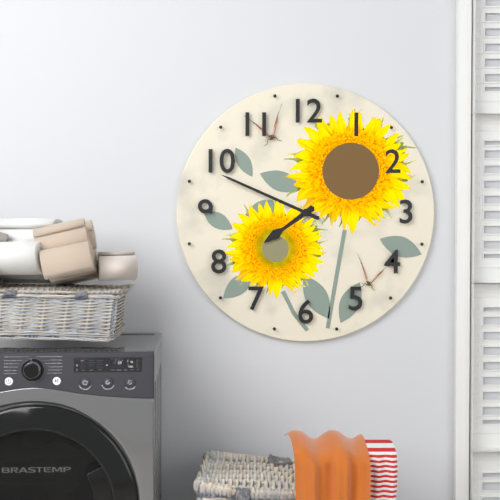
7:49
